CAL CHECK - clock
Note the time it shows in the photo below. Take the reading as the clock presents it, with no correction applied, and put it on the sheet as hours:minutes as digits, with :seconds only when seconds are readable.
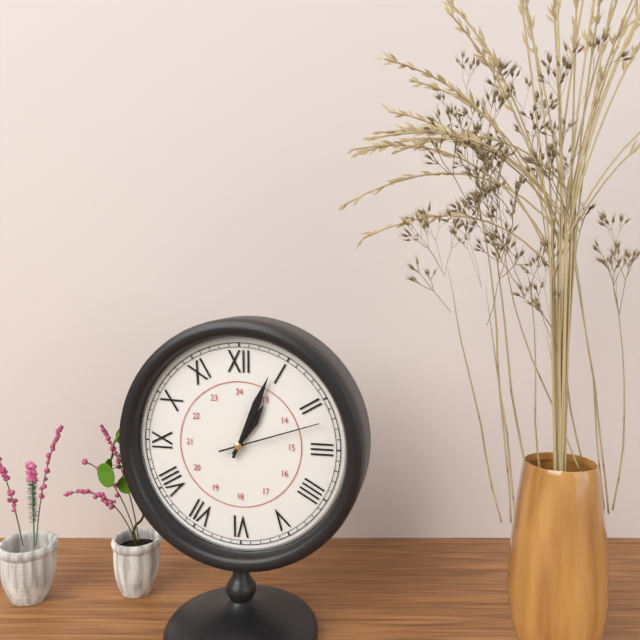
1:04:12
